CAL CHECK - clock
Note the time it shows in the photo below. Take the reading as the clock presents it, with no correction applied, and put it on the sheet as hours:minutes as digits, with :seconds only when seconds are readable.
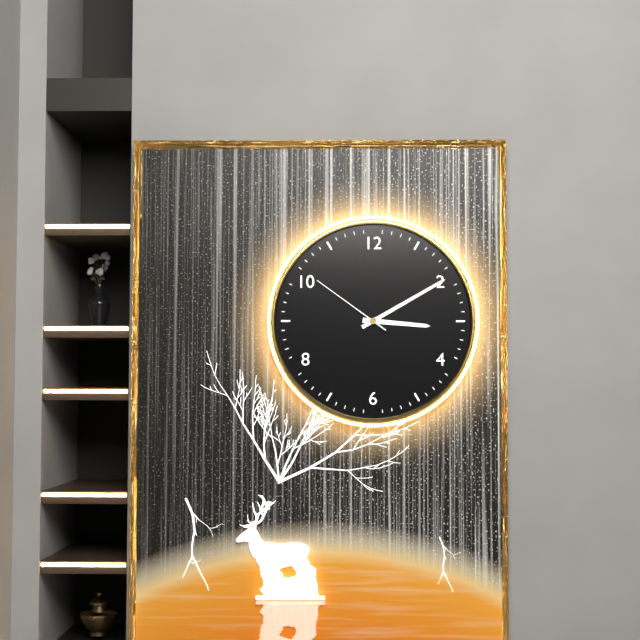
3:10:51
